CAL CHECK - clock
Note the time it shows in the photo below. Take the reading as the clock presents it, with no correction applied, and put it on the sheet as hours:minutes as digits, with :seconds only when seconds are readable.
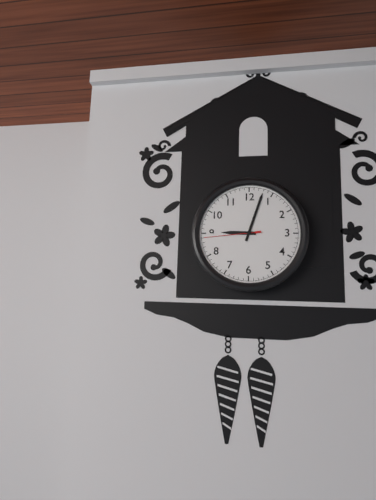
9:03:44
